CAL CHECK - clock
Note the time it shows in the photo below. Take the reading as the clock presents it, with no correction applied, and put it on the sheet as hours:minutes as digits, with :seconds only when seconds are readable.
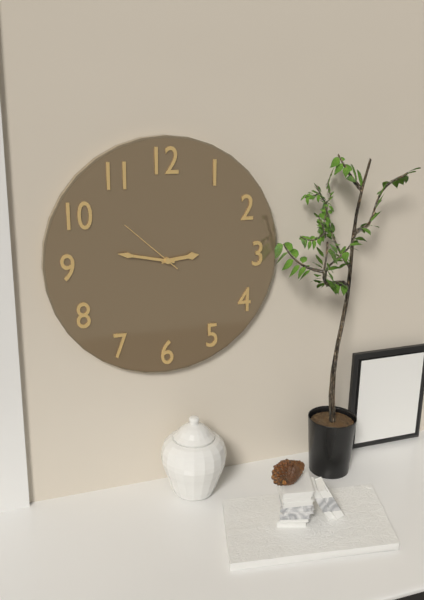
2:47:52
